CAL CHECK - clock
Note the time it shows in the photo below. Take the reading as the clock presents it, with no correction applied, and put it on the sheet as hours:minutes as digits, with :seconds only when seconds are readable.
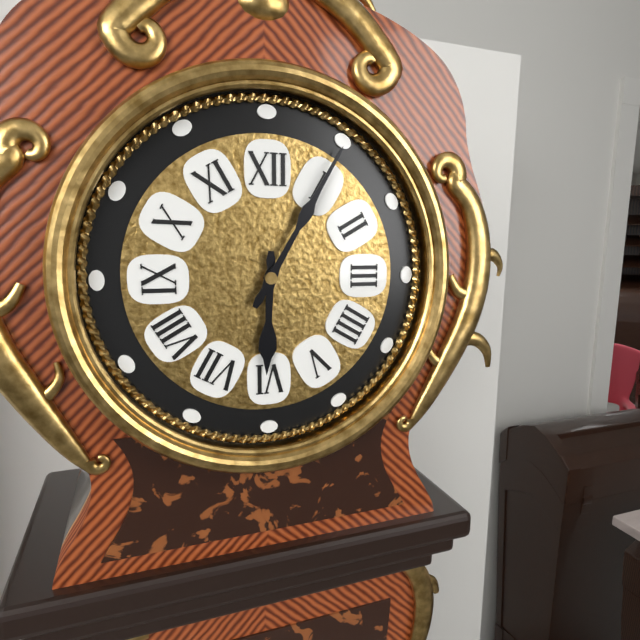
6:05
